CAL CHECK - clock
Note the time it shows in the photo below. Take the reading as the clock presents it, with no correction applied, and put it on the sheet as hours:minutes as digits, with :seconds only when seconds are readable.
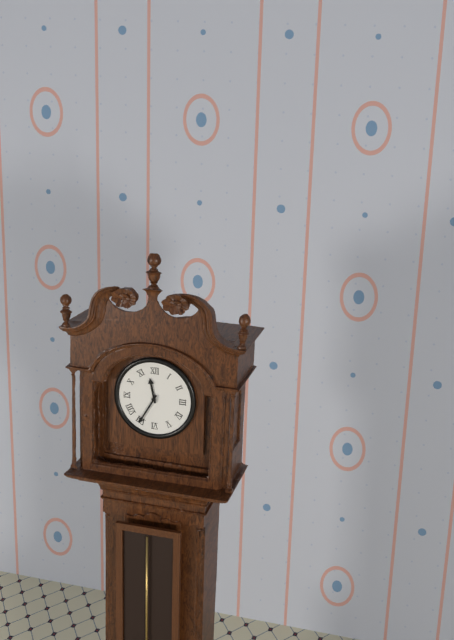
11:35
